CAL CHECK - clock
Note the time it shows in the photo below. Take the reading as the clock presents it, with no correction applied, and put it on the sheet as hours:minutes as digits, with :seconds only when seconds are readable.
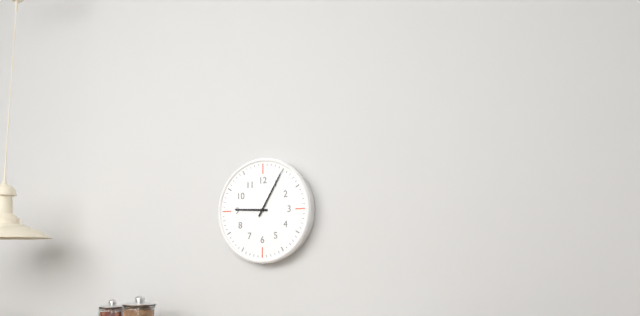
9:05
